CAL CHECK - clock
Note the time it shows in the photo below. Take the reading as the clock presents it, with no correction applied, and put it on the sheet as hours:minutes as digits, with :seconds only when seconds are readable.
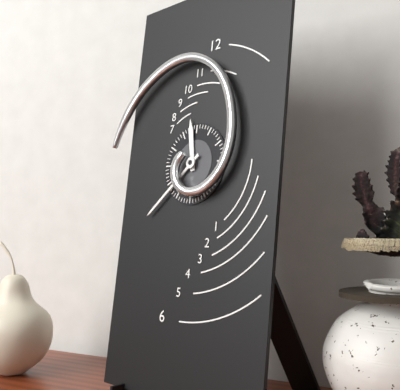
11:38
